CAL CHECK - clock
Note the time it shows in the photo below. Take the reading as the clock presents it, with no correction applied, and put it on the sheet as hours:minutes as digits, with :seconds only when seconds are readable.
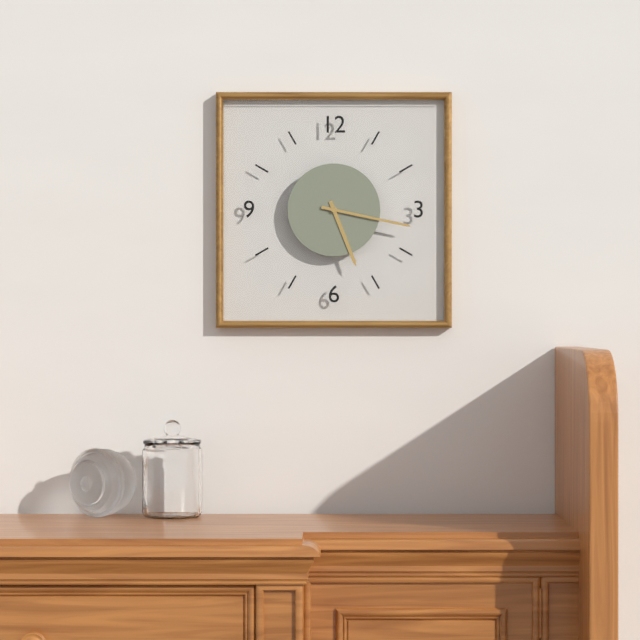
5:17
